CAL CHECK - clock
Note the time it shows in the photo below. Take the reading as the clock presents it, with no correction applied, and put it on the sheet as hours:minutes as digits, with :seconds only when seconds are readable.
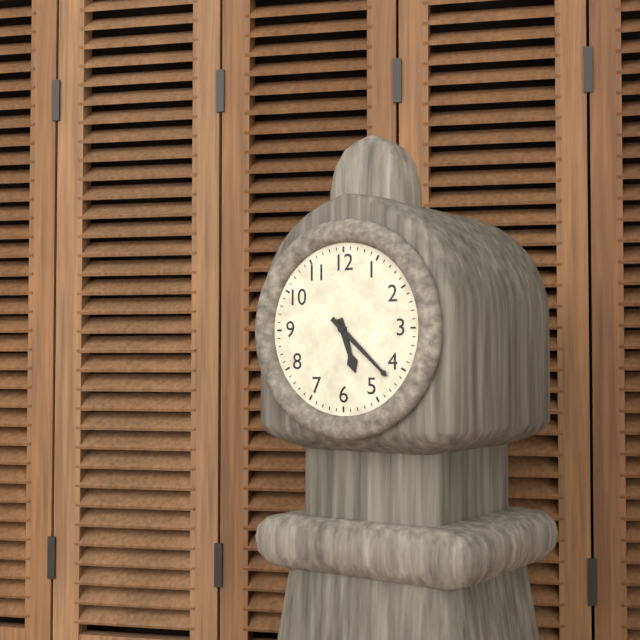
5:22
